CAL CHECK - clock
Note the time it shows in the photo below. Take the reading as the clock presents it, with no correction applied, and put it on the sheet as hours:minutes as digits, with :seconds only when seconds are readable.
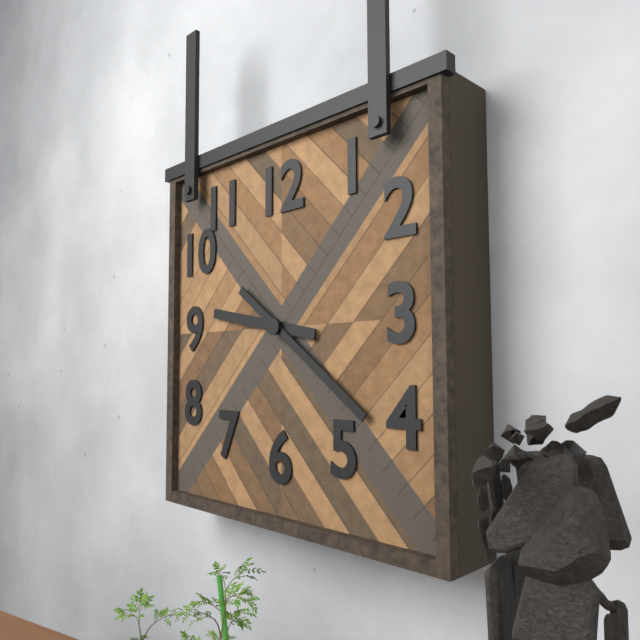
9:21
